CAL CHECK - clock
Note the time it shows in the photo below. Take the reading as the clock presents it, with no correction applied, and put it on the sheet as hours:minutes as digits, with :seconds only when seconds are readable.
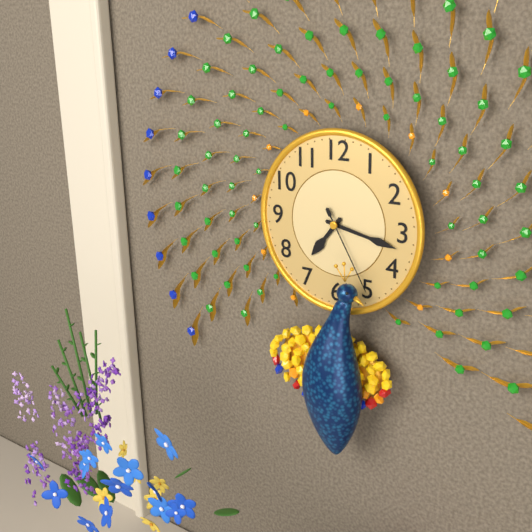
7:17:25
